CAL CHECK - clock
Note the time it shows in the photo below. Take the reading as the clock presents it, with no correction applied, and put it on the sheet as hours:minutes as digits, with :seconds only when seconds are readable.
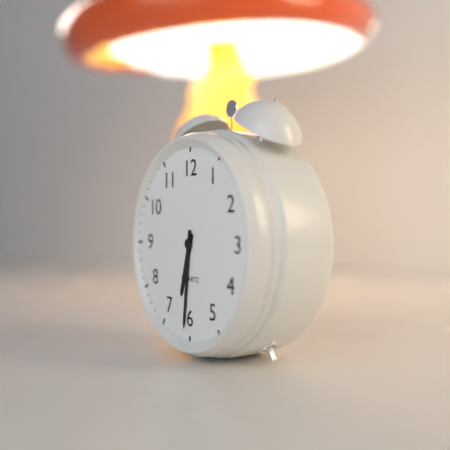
6:31
